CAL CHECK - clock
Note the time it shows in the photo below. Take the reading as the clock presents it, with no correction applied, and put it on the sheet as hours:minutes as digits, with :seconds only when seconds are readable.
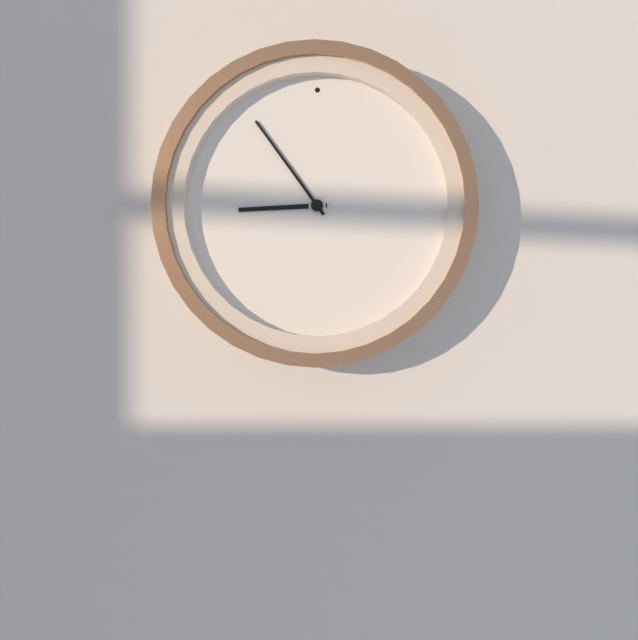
8:54
